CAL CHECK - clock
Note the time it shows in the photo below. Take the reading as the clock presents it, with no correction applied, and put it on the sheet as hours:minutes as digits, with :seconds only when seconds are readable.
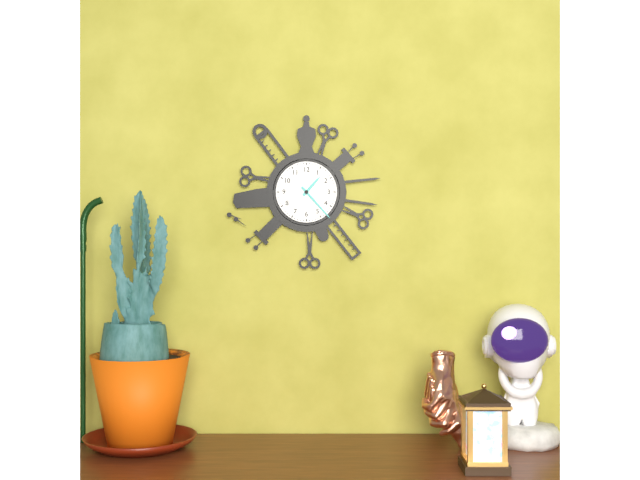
1:23
